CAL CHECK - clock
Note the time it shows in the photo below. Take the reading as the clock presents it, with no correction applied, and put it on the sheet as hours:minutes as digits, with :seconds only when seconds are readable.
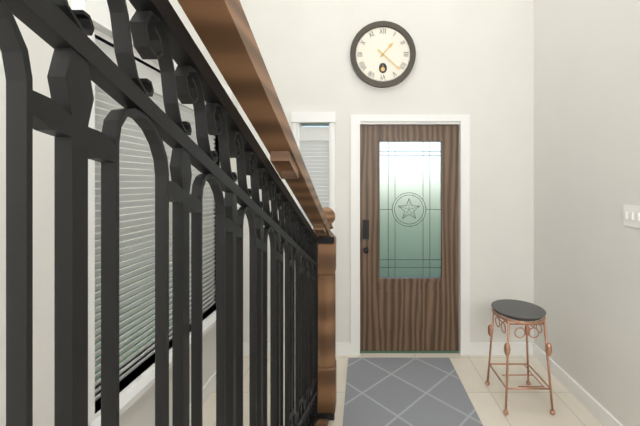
1:22
